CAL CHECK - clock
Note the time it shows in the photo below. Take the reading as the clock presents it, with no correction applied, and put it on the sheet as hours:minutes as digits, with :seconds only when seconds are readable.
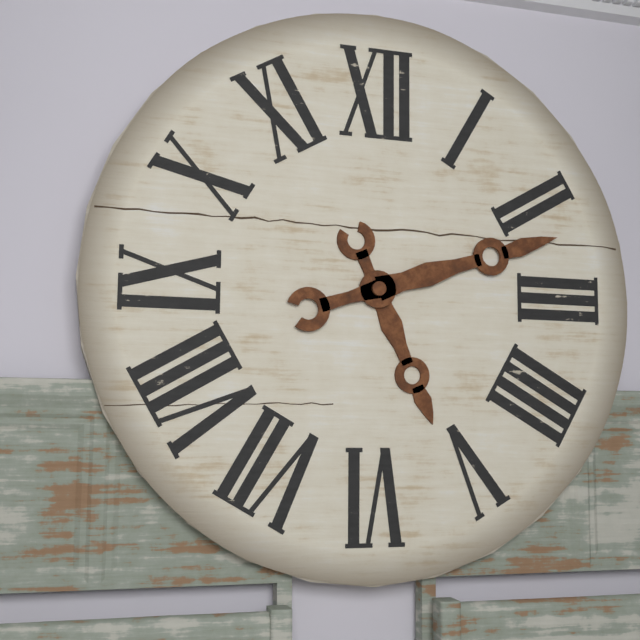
5:12
